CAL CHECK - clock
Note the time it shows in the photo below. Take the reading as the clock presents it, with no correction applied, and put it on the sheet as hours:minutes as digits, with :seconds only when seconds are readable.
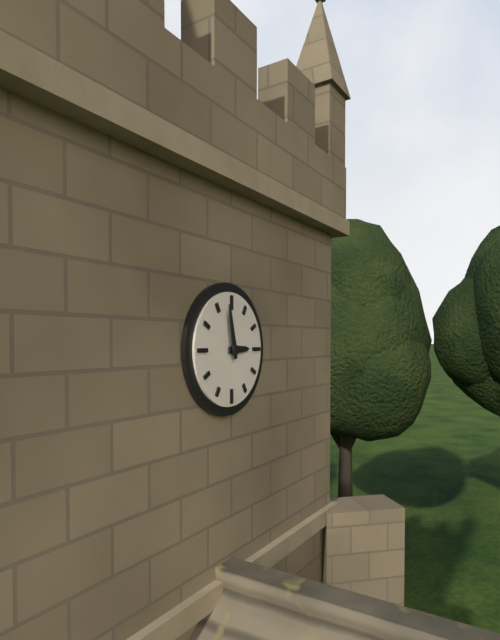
2:58
